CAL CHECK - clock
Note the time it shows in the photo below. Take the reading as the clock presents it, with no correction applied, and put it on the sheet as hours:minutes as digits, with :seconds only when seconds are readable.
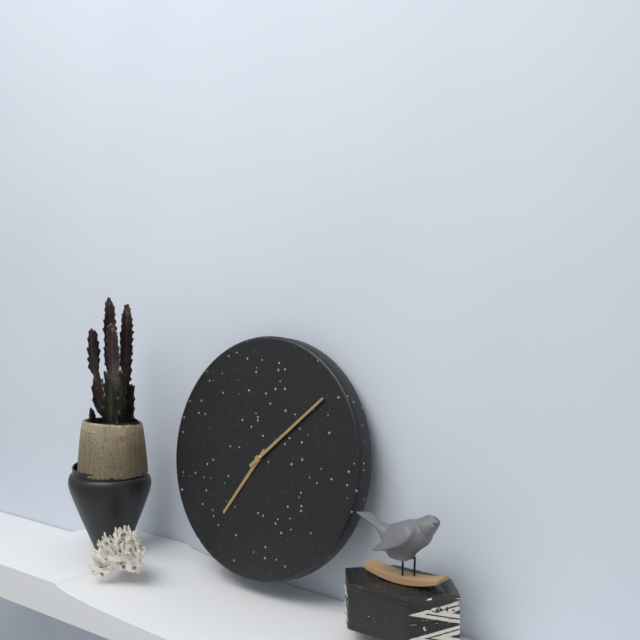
7:08
